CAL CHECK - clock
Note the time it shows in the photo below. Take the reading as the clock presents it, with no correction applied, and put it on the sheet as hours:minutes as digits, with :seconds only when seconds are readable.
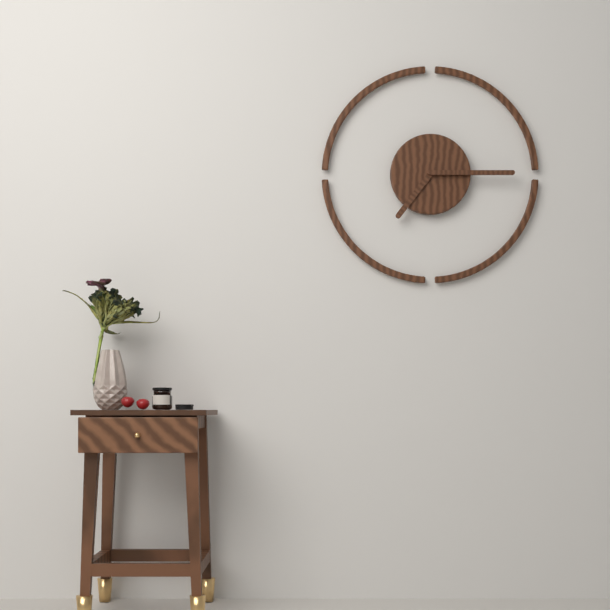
7:15
